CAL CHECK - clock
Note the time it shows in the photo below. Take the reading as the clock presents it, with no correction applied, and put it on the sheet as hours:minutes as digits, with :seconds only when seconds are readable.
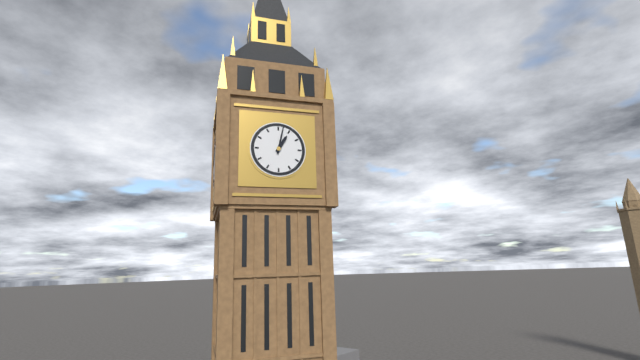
1:02
